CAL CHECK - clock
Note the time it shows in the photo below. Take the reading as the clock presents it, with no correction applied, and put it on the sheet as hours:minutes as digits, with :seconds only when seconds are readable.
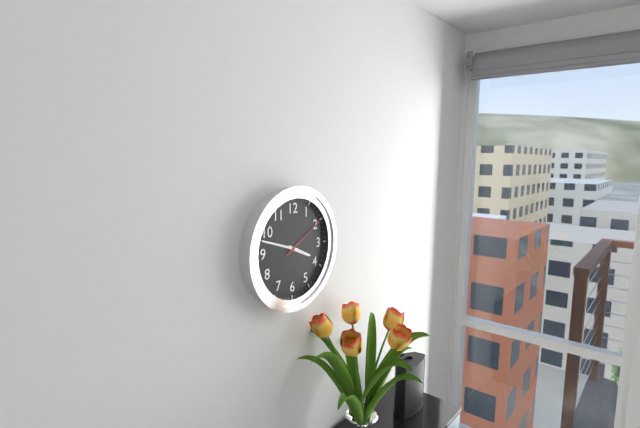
3:48
